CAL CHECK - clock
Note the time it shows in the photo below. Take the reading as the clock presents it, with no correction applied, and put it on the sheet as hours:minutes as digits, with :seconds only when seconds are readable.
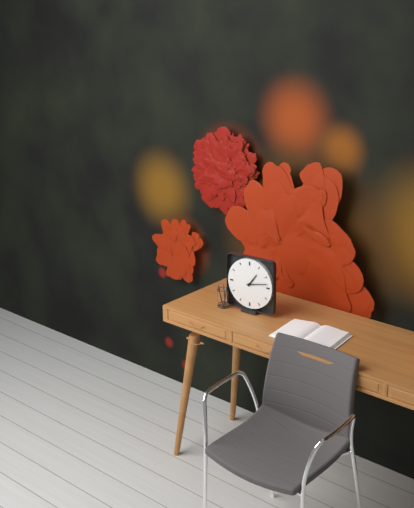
1:13
